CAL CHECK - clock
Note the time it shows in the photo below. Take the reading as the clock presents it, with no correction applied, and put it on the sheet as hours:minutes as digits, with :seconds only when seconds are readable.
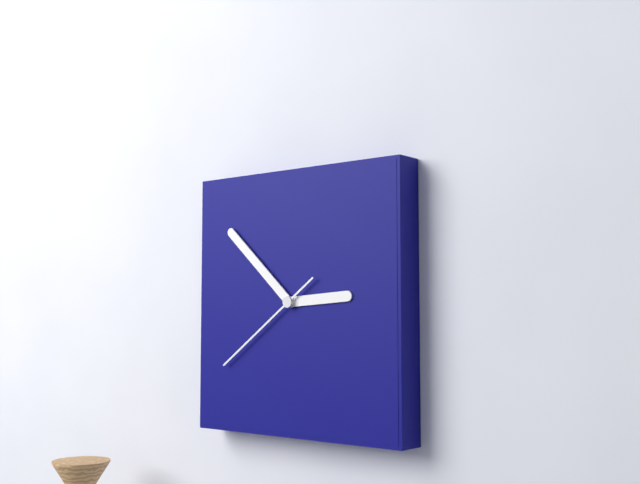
2:52:39
